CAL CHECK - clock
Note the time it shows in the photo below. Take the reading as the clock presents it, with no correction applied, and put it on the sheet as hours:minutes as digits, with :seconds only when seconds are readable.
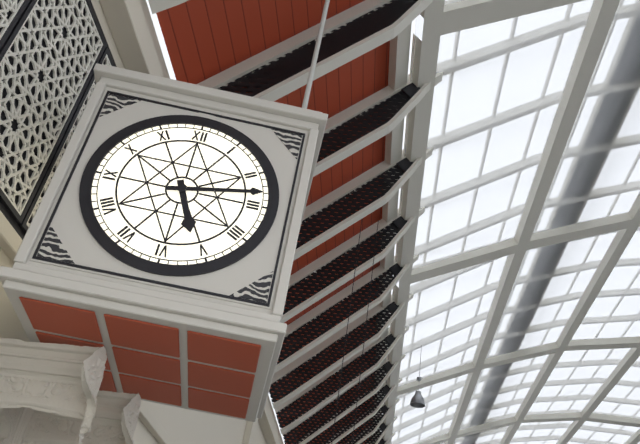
5:13
